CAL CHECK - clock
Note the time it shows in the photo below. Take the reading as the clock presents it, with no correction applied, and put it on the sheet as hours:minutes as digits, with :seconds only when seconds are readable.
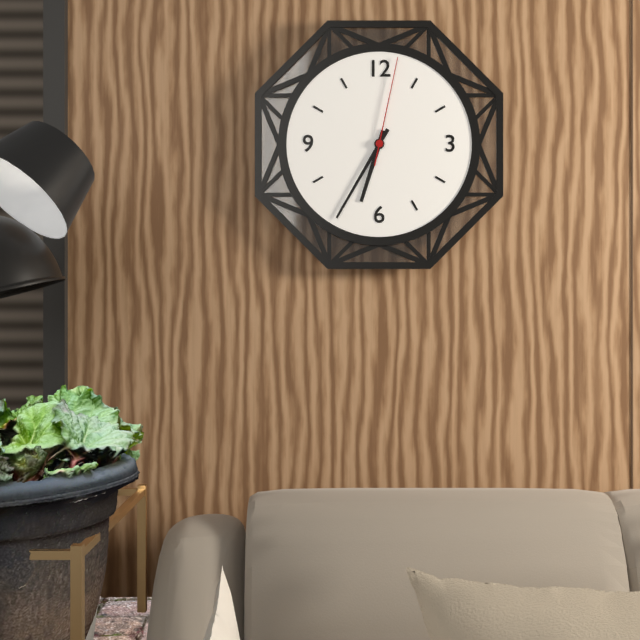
6:35:02
